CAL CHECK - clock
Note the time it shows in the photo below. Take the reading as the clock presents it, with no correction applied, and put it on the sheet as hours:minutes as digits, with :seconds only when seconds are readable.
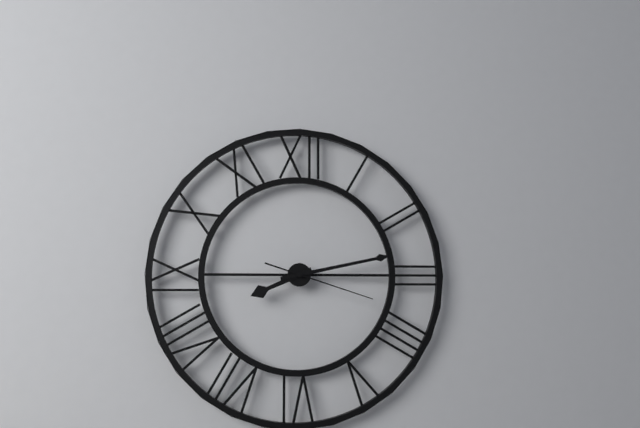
8:13:18
